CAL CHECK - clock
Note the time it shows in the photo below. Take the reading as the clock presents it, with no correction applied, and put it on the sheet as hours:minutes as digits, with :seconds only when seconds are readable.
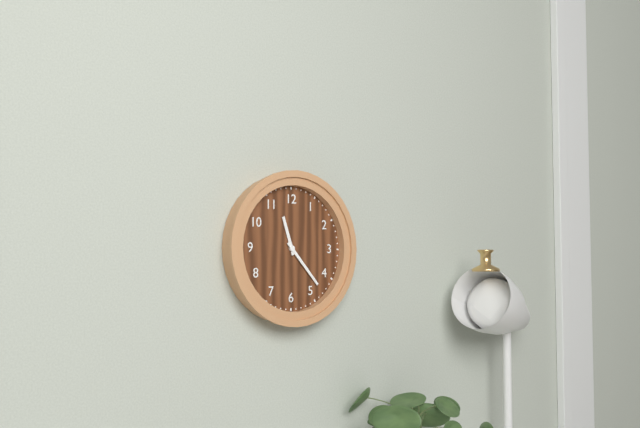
11:23
